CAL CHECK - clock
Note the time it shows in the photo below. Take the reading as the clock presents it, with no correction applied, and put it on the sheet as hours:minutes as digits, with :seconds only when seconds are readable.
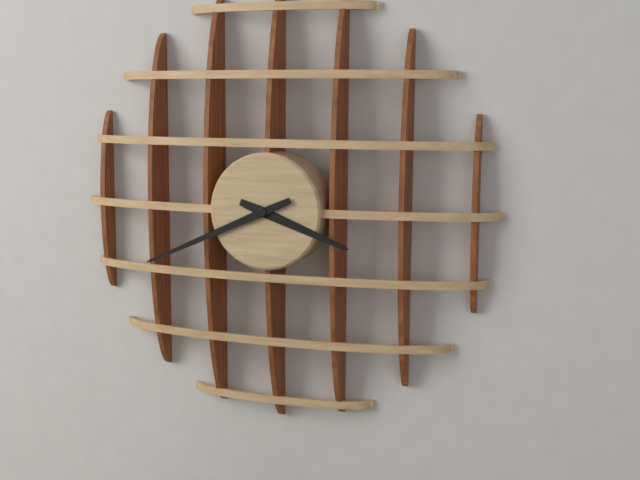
3:41
